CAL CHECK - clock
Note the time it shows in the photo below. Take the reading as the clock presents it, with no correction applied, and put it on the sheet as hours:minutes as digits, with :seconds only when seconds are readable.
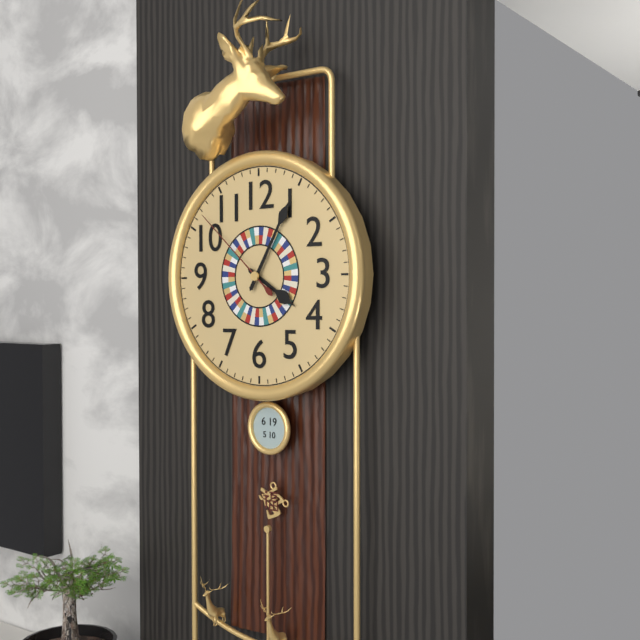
4:05:52
